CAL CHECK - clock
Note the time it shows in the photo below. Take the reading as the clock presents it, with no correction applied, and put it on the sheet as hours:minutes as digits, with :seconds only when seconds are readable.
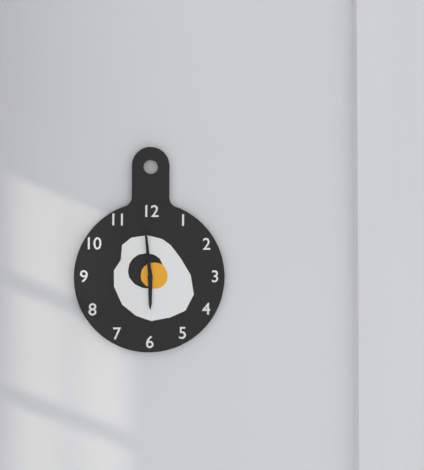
5:59
